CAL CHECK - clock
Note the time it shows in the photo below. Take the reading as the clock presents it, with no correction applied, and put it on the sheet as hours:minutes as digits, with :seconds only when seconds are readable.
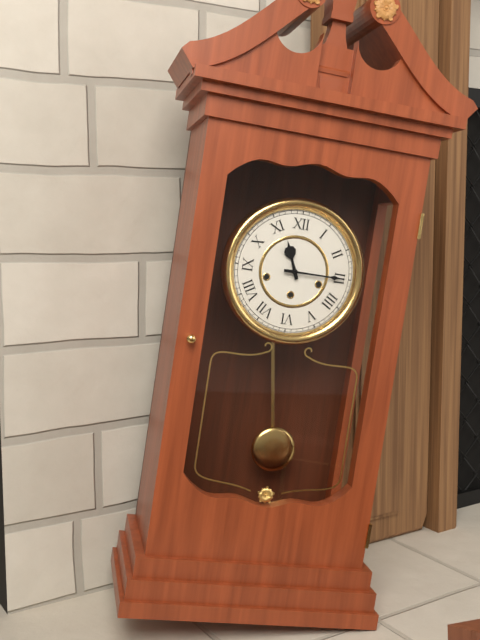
11:15
